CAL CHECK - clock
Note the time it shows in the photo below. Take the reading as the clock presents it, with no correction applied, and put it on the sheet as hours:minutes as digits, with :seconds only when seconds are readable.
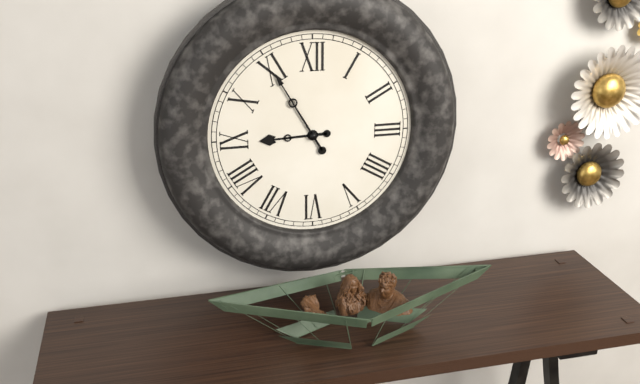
8:55
